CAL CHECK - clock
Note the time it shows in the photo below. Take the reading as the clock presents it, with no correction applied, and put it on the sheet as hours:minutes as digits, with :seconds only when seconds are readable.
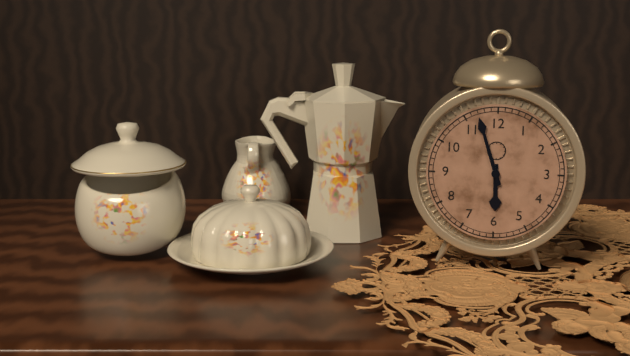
5:57
